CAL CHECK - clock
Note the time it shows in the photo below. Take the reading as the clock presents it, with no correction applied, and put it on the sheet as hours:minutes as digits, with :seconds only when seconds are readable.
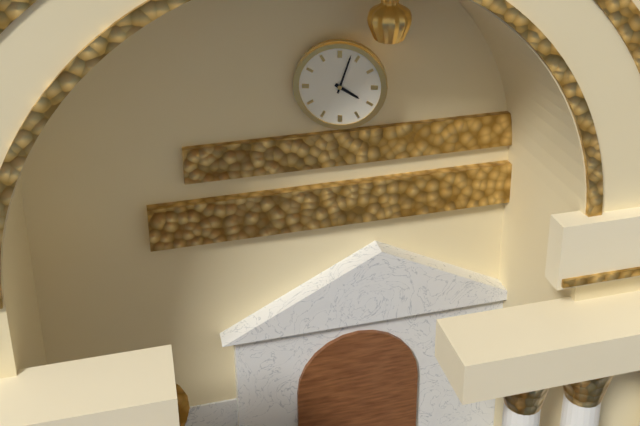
4:03
